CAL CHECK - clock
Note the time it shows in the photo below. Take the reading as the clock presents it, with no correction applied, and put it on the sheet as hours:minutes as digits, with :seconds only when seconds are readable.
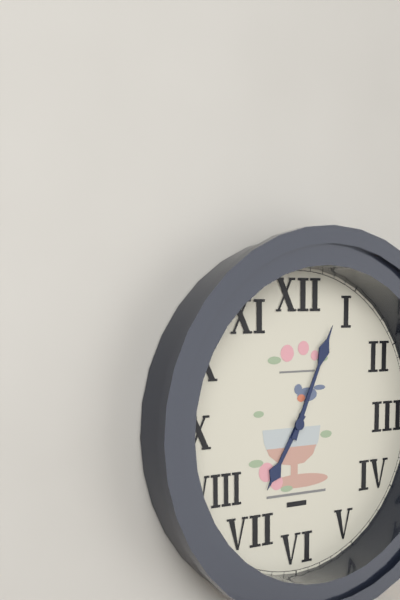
7:04
